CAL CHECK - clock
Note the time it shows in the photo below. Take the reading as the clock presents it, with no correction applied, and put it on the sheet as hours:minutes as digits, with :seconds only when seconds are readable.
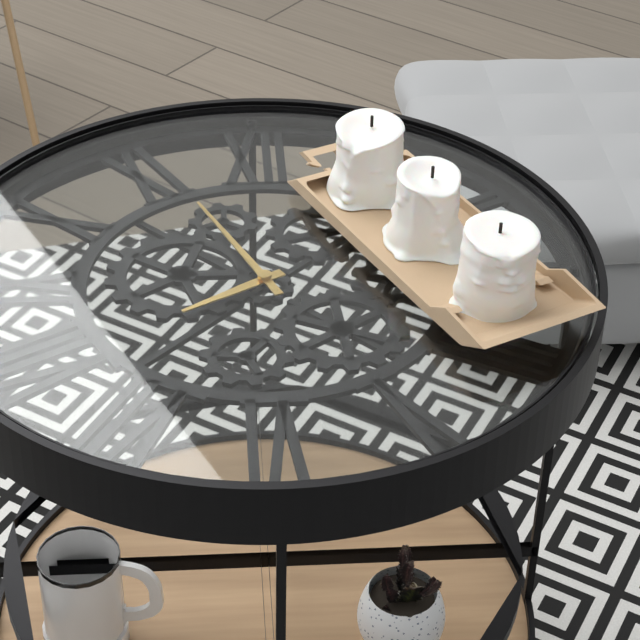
7:56
